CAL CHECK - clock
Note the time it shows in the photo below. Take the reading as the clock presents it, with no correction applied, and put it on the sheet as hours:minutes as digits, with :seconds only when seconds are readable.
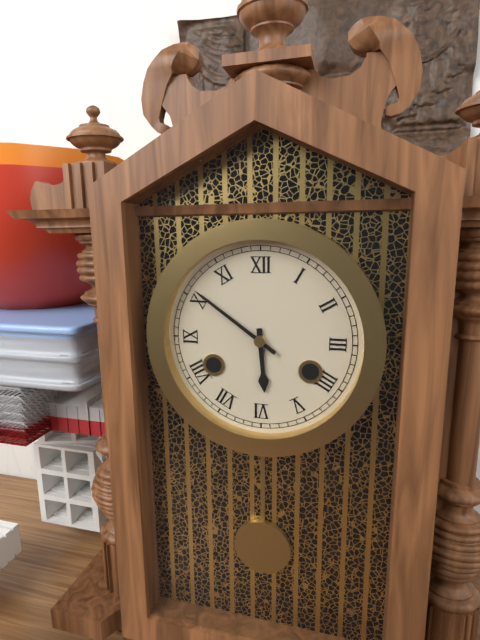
5:51
